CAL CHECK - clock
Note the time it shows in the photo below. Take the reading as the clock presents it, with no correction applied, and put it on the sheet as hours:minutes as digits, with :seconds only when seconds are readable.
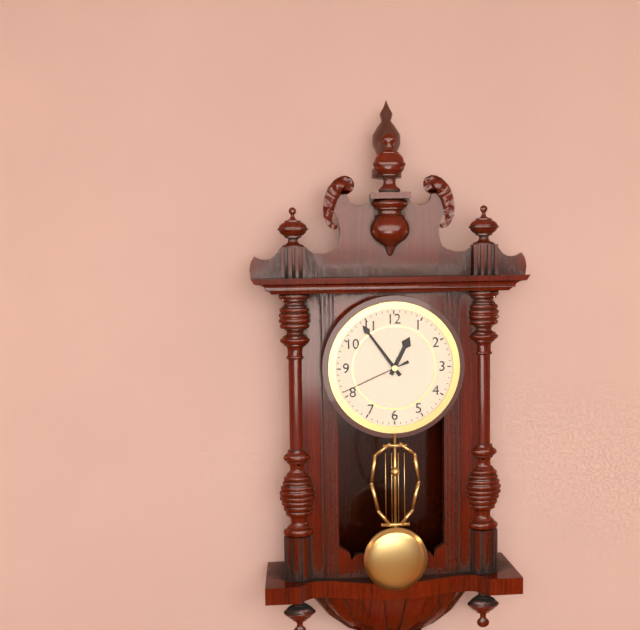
12:54:41
